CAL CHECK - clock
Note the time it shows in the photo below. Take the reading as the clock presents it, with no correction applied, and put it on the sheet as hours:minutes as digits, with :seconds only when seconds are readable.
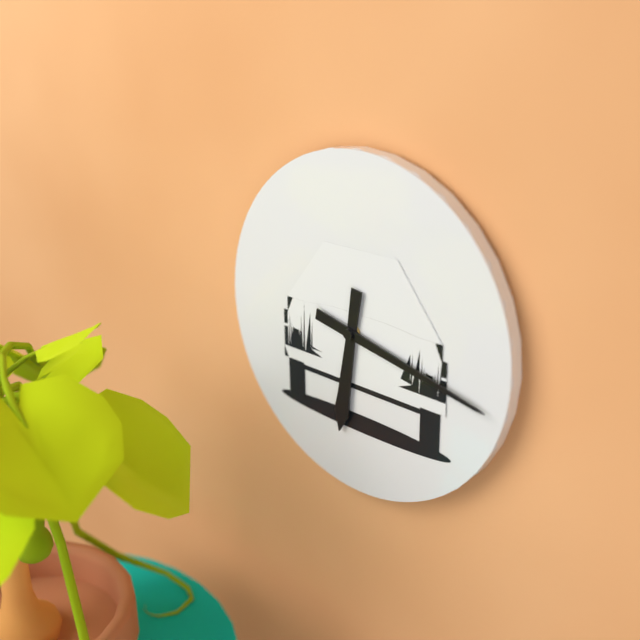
6:17
